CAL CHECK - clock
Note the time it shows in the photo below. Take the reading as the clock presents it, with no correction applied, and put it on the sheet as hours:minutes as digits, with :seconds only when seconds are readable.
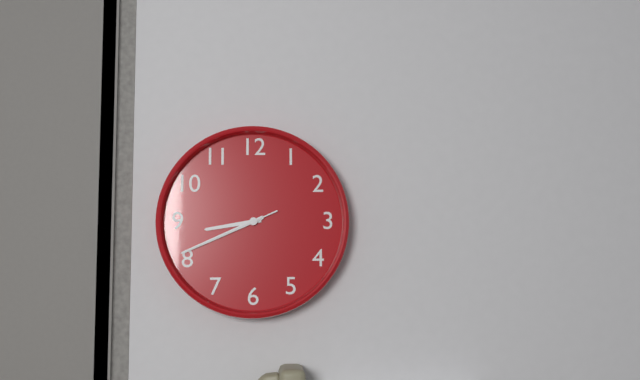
8:41:41
